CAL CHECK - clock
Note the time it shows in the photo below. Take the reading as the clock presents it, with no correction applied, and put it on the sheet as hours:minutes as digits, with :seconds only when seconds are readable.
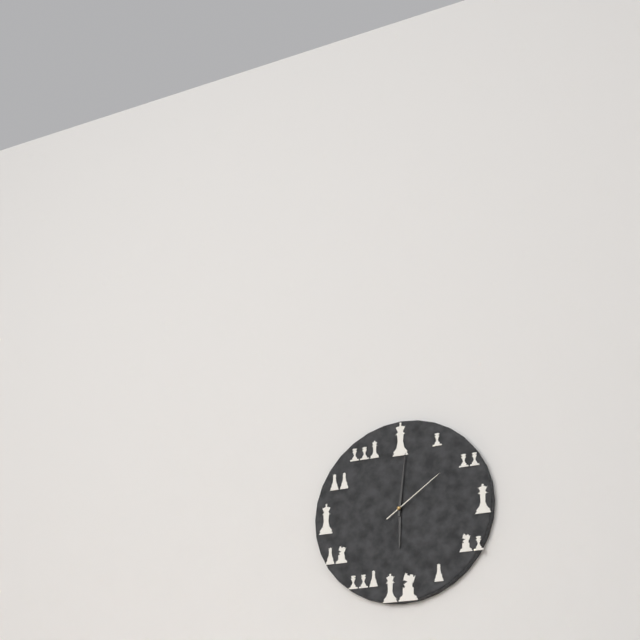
6:01:09
